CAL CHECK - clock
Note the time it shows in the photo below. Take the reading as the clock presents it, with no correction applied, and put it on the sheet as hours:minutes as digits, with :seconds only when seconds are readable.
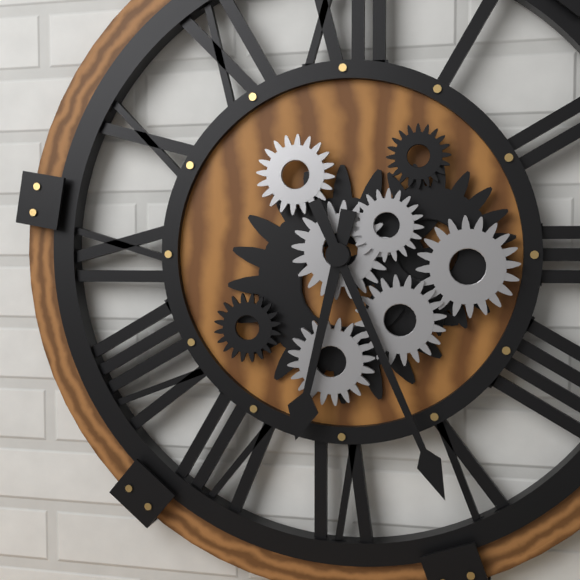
6:26
